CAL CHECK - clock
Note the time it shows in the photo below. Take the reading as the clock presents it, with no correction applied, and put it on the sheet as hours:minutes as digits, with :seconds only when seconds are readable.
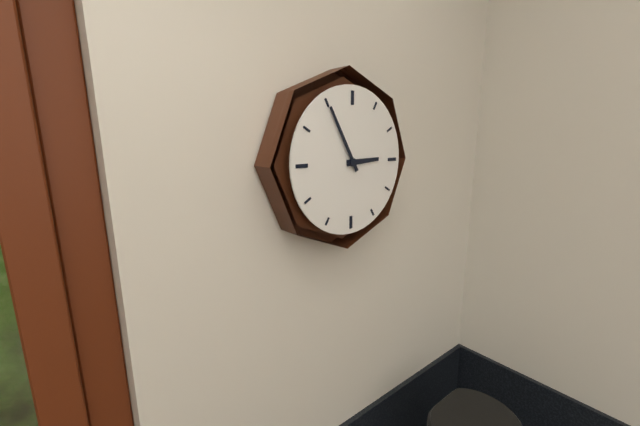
2:55
